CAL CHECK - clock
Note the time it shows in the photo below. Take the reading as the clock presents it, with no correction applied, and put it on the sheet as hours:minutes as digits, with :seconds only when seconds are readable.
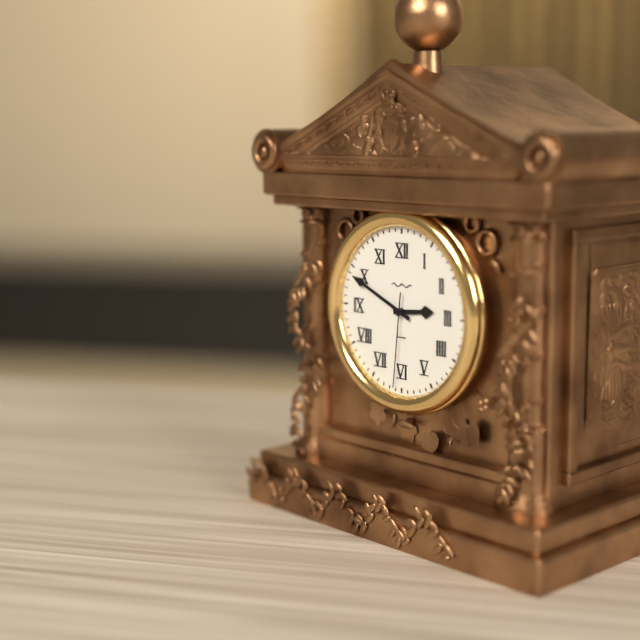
2:49:31
